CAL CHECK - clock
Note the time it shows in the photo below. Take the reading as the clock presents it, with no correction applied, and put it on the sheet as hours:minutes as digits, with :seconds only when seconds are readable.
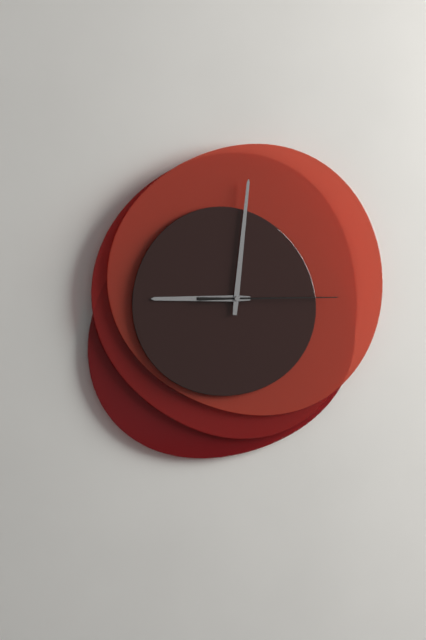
9:01:15
